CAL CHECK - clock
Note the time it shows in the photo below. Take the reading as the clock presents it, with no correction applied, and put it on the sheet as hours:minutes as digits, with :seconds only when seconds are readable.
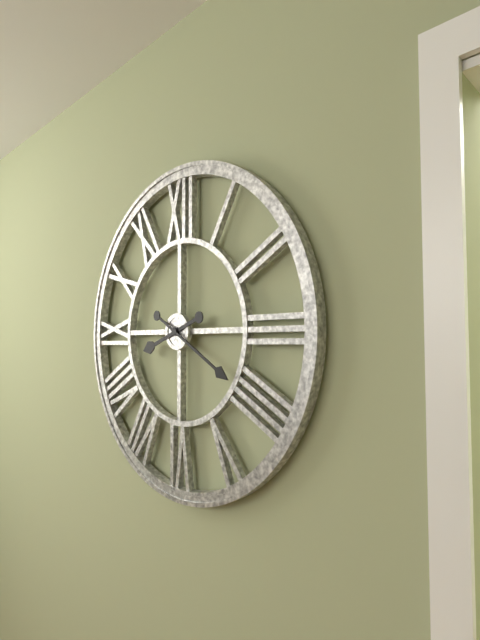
8:20
